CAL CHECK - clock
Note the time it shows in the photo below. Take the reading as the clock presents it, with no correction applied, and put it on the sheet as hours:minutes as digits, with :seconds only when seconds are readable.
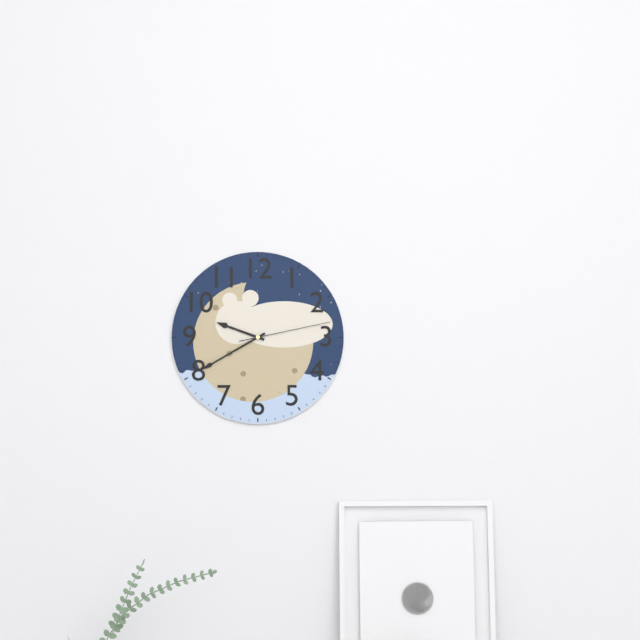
9:40:13
